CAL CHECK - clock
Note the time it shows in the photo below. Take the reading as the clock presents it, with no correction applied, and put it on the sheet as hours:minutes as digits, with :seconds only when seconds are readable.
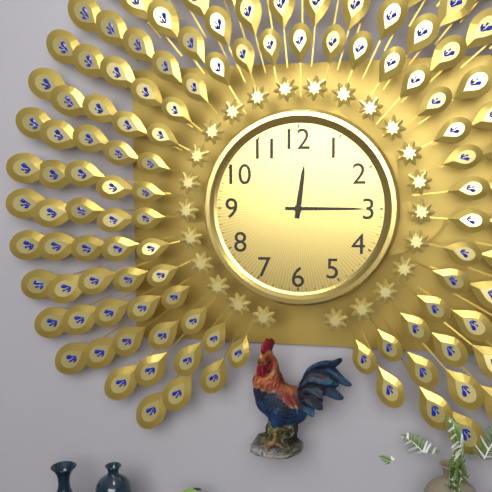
12:15
